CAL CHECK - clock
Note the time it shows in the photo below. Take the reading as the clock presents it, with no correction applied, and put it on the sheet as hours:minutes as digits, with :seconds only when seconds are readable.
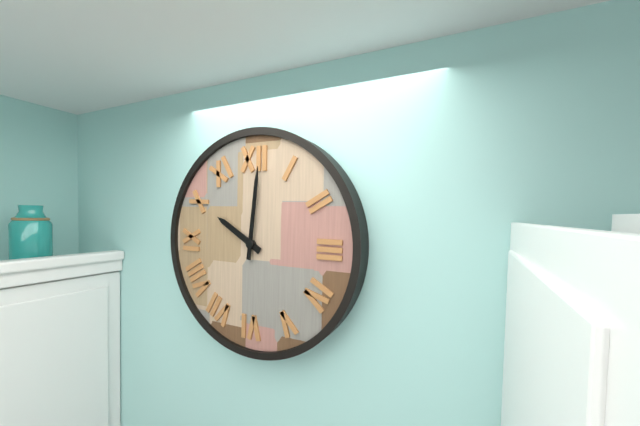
10:01
